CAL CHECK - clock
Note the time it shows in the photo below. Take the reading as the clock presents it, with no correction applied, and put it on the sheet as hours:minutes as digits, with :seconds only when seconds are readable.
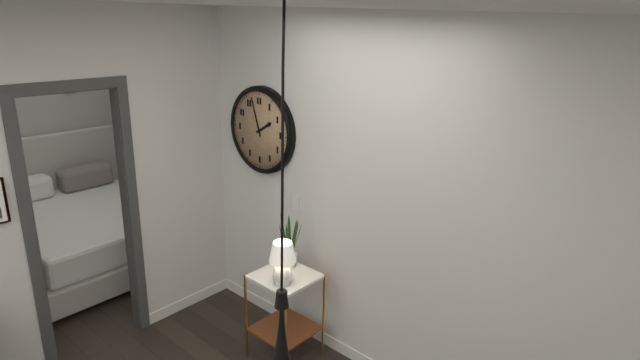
1:57
